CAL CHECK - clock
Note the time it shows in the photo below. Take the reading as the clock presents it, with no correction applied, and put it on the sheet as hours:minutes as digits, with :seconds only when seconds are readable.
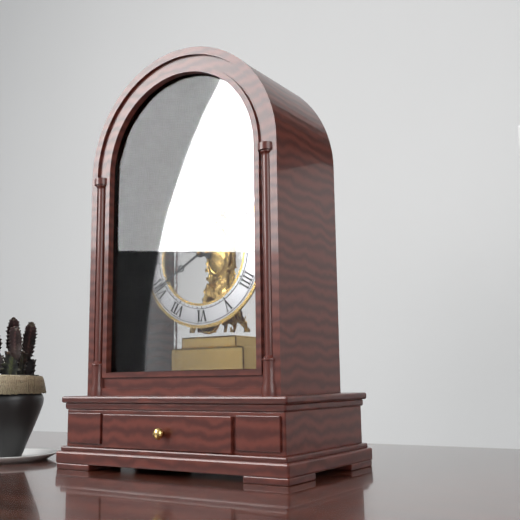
9:40
